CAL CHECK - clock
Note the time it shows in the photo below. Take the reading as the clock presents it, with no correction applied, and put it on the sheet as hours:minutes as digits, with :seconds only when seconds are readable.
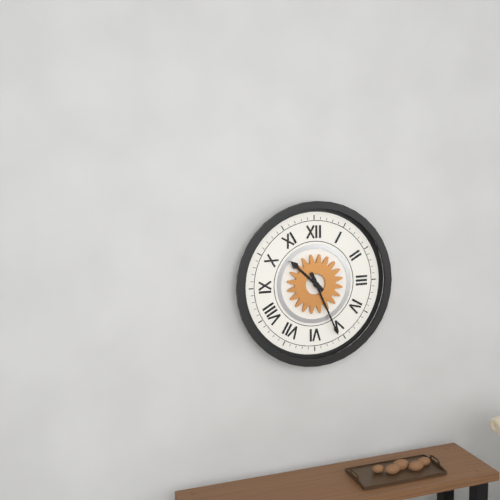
10:26
